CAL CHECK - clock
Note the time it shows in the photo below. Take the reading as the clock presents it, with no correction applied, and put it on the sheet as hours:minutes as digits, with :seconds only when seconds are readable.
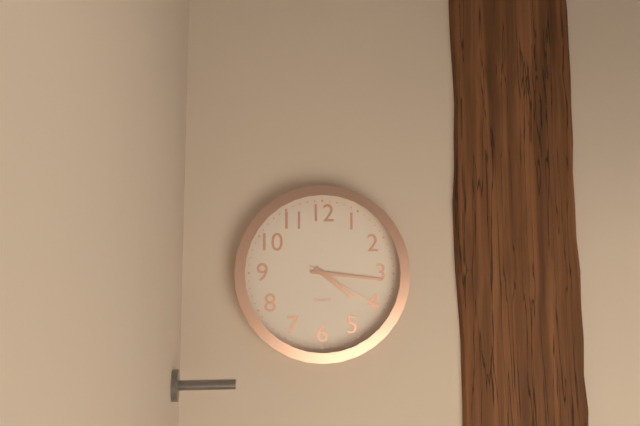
4:16:20
